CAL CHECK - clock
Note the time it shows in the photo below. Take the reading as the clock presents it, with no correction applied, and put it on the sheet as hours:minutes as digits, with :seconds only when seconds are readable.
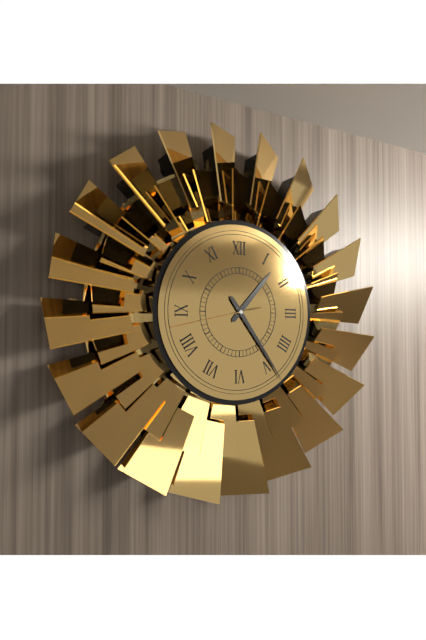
1:24:43
